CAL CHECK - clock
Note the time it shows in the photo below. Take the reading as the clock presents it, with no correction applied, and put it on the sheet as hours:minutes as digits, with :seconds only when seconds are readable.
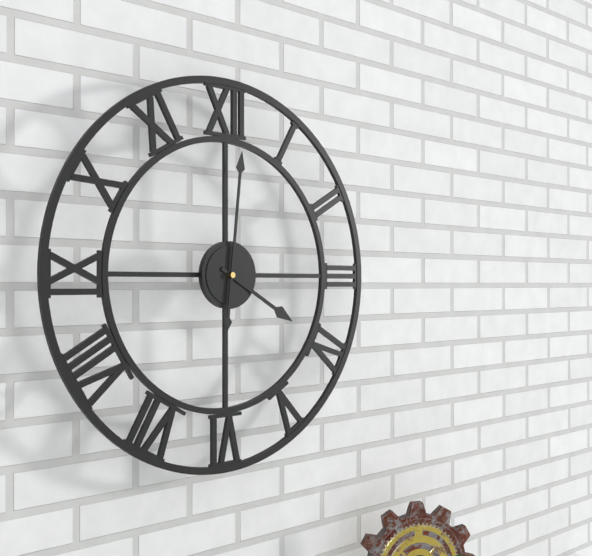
4:01
